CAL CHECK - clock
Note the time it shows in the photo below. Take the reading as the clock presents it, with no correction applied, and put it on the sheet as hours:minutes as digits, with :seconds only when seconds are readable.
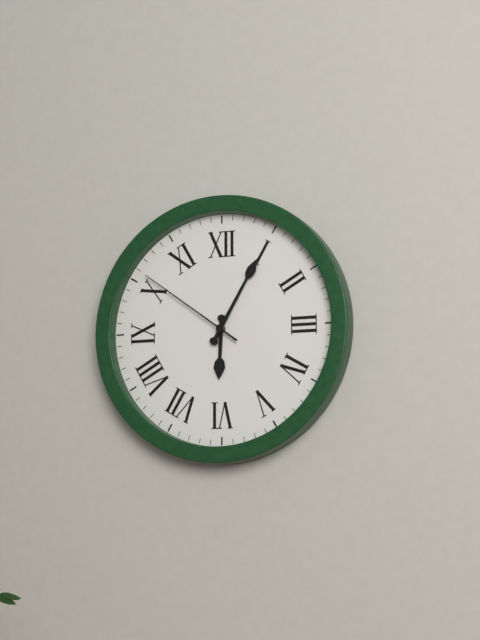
6:05:51
